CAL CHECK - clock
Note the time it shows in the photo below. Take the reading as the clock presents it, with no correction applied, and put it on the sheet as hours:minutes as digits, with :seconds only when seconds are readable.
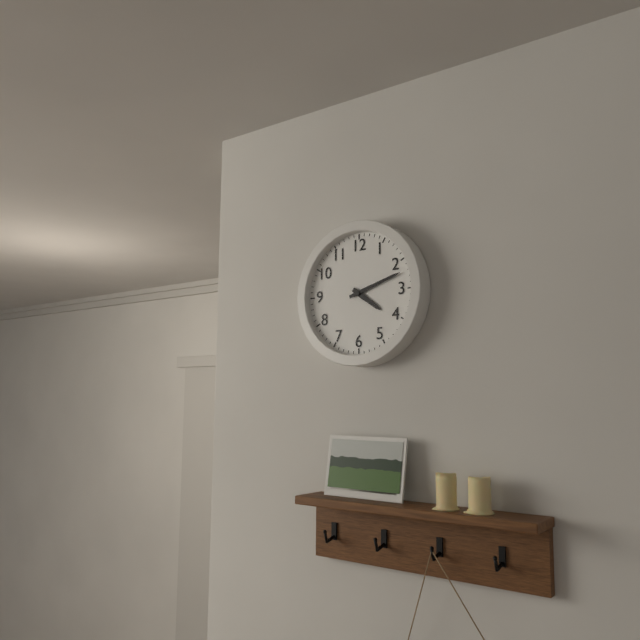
4:12
